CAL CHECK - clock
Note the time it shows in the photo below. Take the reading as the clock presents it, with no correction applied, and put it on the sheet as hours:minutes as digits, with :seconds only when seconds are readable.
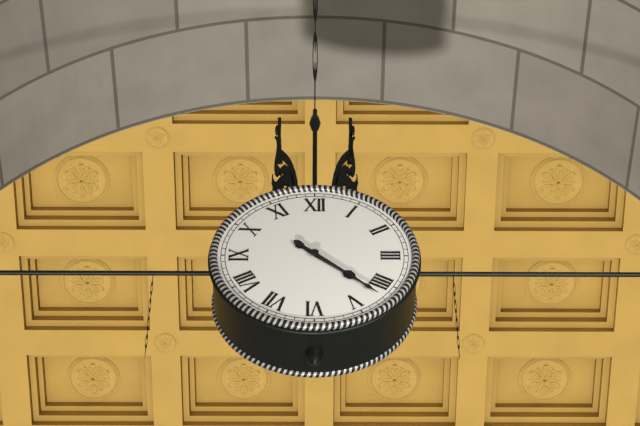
4:22
